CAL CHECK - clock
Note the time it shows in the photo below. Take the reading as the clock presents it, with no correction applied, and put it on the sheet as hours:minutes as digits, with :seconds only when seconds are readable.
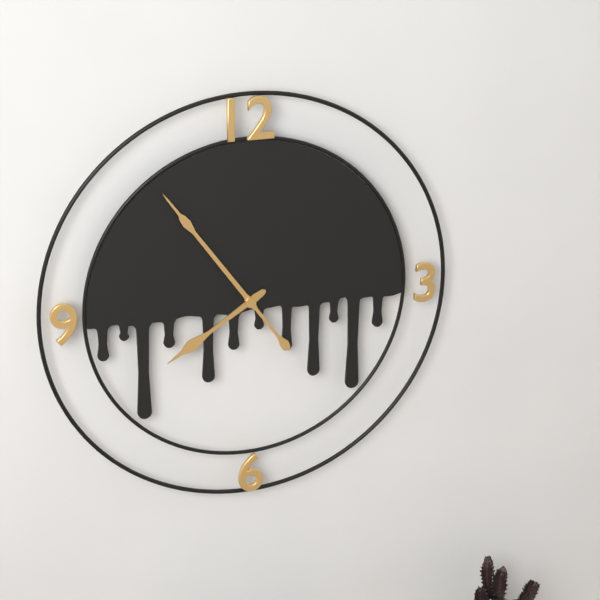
7:54
